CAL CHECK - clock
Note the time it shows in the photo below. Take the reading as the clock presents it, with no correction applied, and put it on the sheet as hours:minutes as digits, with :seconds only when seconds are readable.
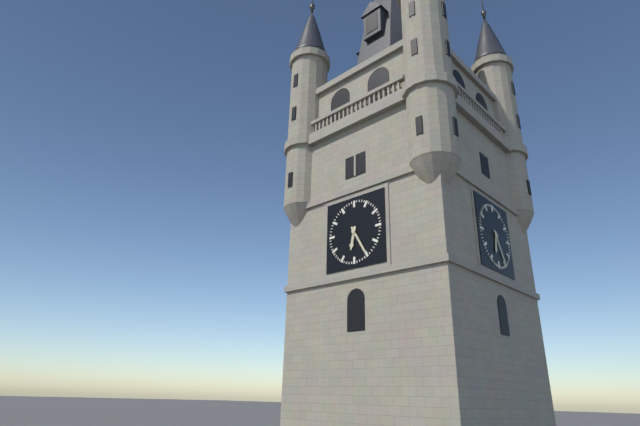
6:25
